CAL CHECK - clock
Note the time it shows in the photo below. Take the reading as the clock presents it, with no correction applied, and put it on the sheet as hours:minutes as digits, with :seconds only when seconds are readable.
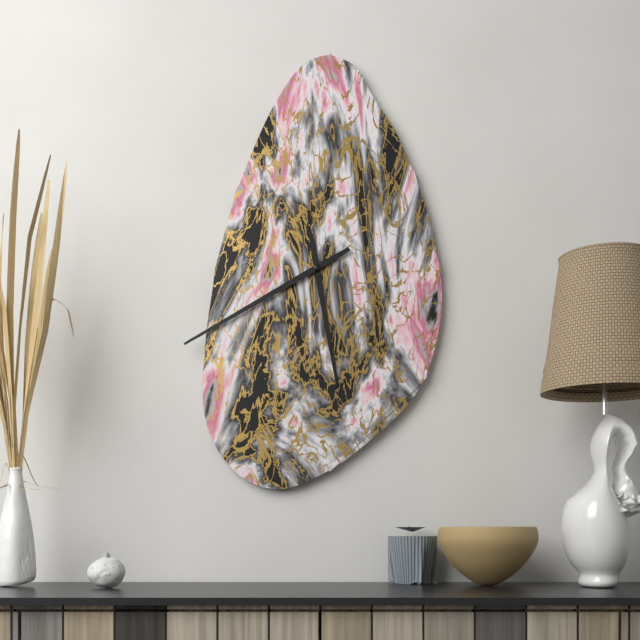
5:40
